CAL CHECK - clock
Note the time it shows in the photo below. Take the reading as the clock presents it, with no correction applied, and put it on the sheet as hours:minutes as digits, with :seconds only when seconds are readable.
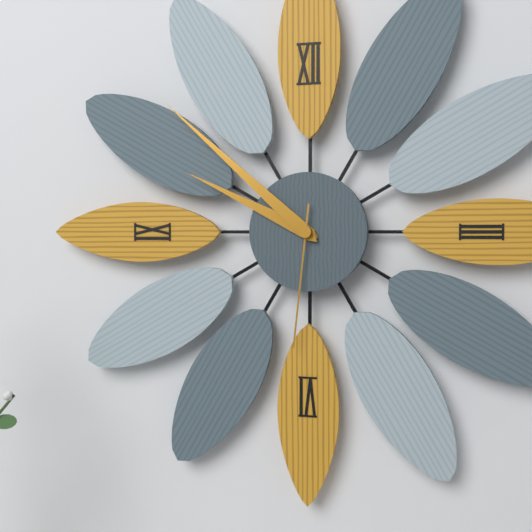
9:52:31
